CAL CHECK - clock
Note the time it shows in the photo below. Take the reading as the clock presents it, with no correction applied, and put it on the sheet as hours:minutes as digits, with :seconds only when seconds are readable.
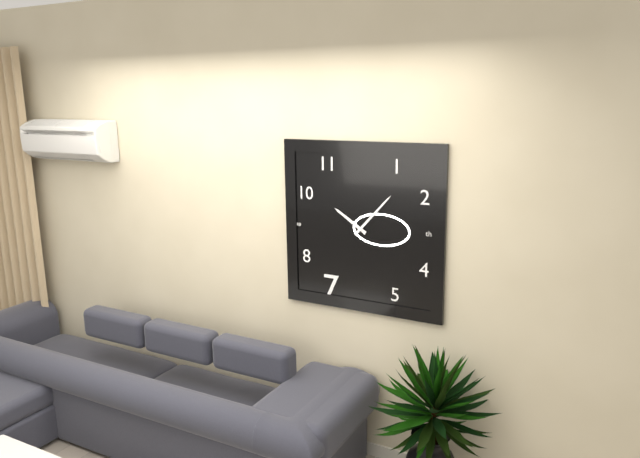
10:07
